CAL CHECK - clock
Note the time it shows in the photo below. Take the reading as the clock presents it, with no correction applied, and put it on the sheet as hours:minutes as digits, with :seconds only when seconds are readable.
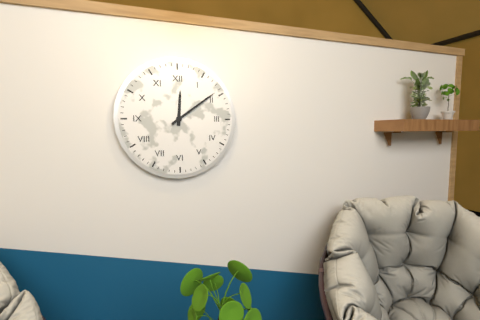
12:09
